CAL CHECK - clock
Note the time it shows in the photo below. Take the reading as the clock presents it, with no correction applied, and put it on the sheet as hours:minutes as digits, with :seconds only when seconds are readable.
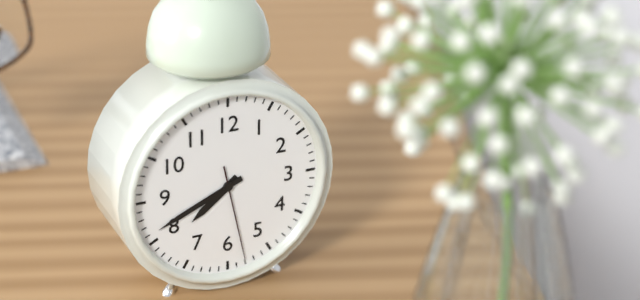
7:41:28
